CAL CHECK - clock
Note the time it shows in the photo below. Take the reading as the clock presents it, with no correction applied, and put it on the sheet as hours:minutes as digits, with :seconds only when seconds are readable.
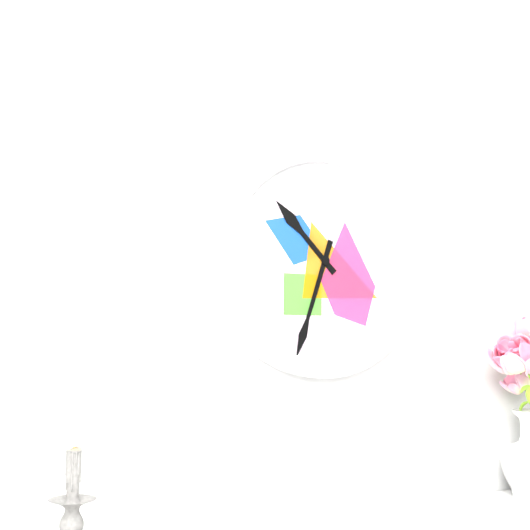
10:33
